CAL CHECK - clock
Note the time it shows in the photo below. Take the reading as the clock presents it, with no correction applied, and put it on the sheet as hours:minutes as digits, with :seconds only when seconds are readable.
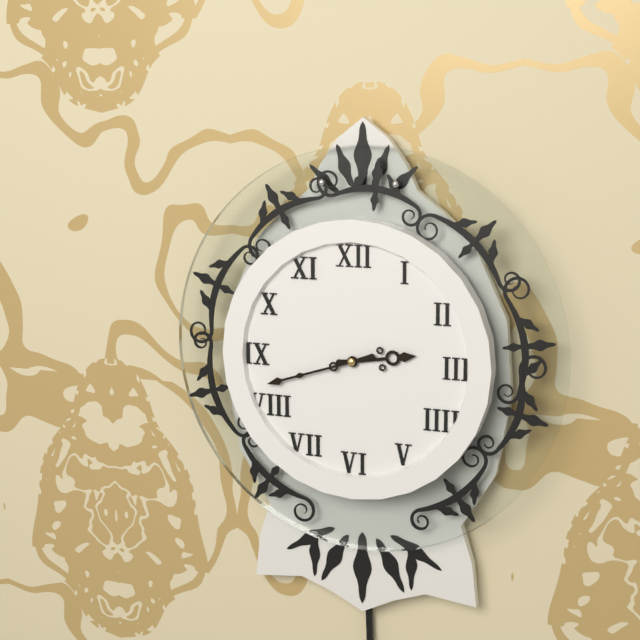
2:42
